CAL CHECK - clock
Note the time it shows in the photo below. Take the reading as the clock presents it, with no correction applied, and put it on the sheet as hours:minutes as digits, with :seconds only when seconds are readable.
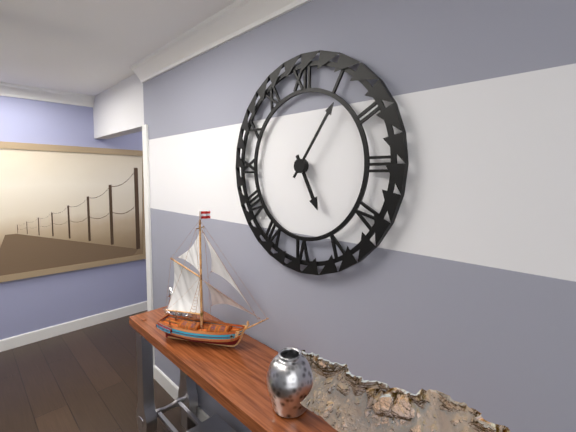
5:06
